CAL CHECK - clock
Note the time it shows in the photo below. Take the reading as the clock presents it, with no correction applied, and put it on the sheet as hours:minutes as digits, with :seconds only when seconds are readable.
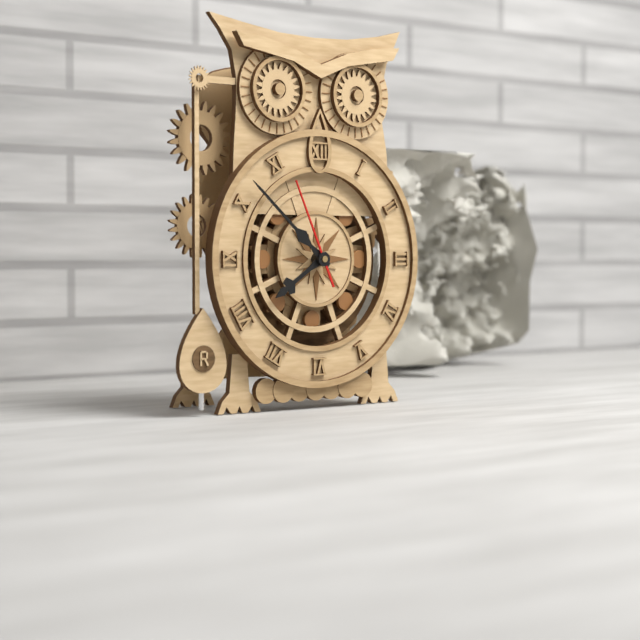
7:52:56
